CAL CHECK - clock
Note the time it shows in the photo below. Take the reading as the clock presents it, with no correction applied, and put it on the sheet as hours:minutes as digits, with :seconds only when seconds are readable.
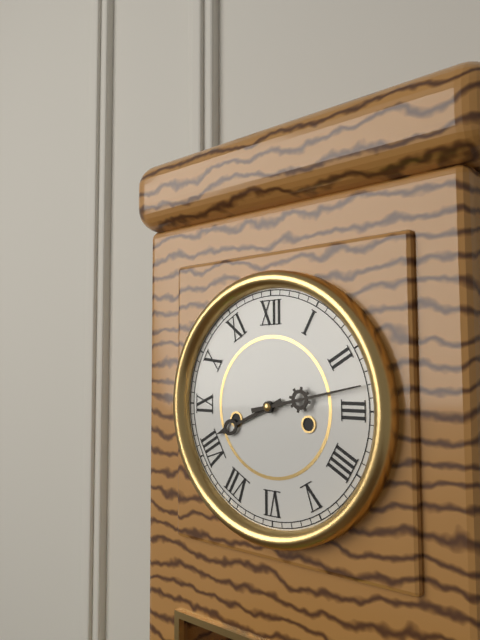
8:13
